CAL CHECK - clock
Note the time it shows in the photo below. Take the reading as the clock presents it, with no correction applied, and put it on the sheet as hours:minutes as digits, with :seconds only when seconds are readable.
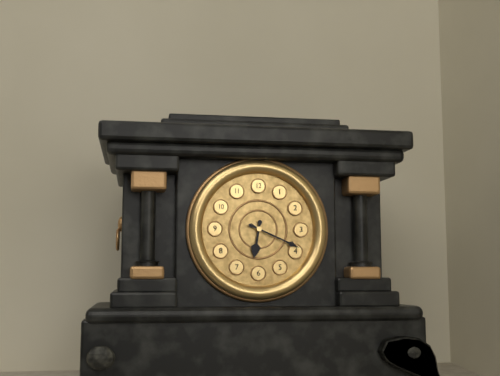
6:19
